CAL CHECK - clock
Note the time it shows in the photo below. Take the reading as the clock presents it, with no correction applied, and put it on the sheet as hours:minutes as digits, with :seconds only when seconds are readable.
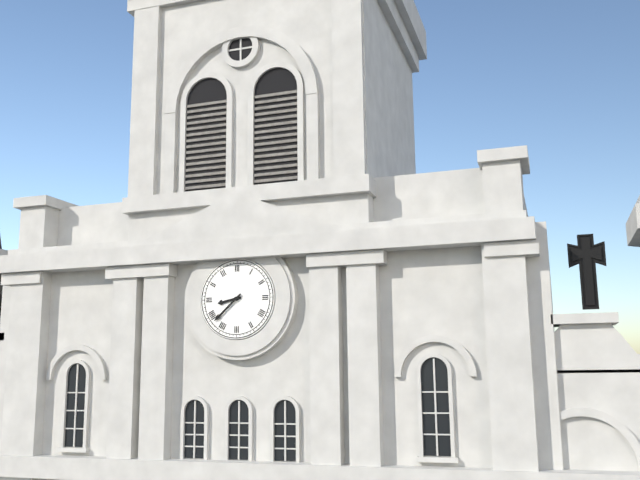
8:38
